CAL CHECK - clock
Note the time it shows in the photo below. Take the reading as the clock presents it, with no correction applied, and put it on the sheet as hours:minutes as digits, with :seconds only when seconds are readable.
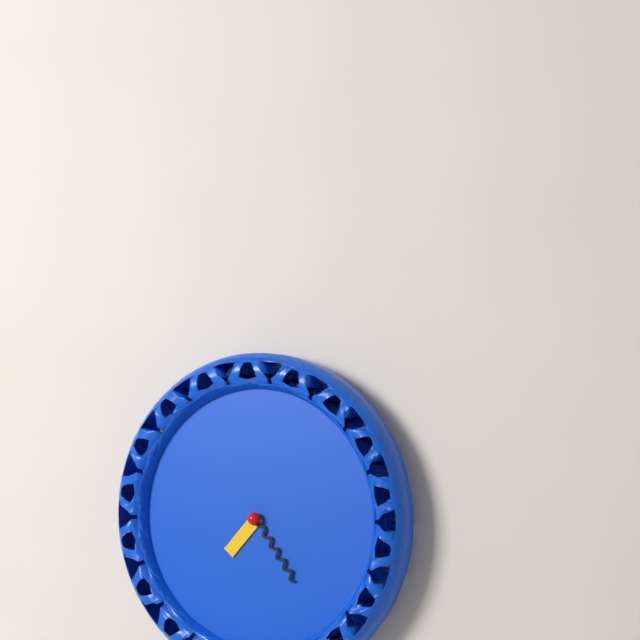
7:24
